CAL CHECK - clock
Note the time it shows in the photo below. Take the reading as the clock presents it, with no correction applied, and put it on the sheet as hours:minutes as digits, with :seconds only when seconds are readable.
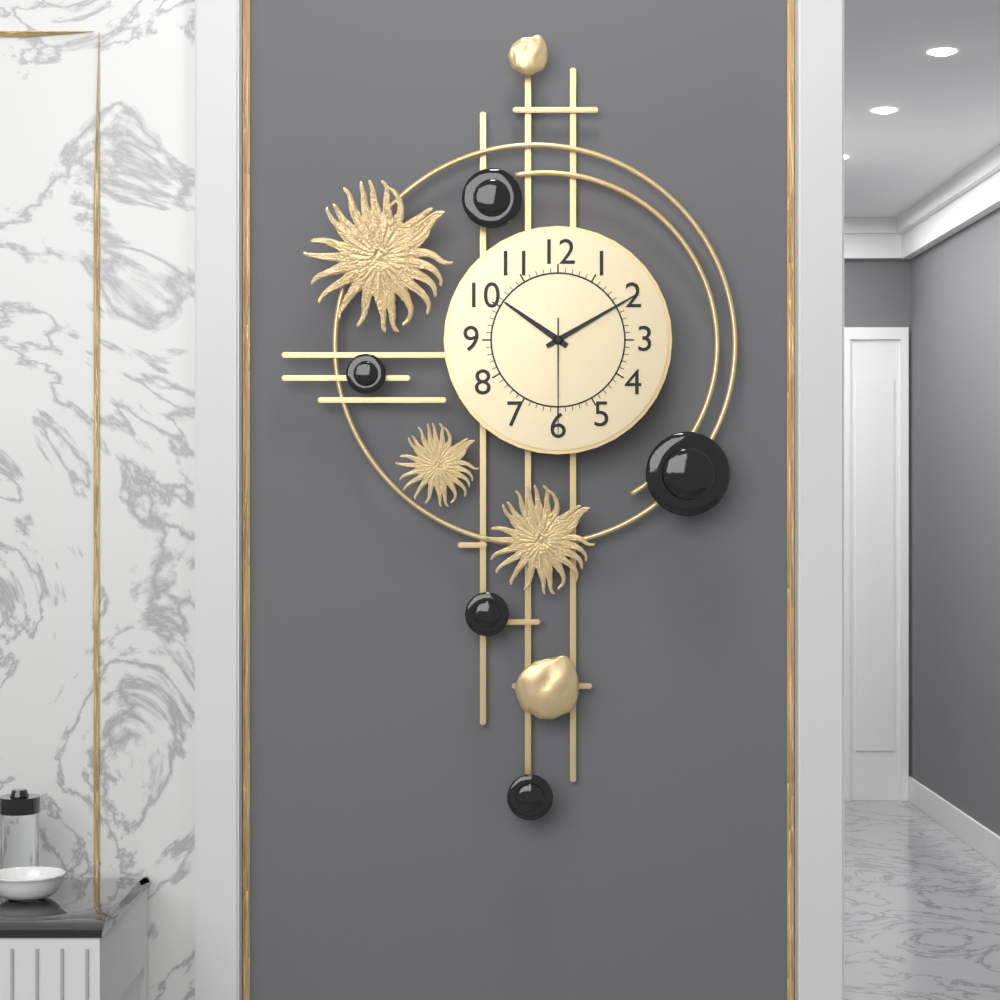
10:10:30
